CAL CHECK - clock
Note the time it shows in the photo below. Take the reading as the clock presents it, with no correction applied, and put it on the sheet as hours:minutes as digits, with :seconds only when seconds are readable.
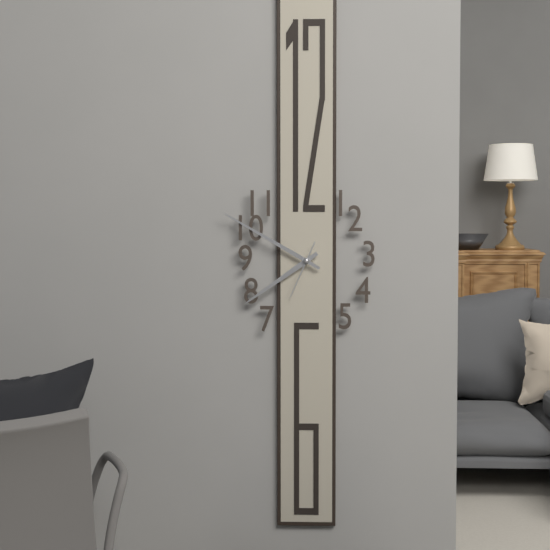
7:50:34
